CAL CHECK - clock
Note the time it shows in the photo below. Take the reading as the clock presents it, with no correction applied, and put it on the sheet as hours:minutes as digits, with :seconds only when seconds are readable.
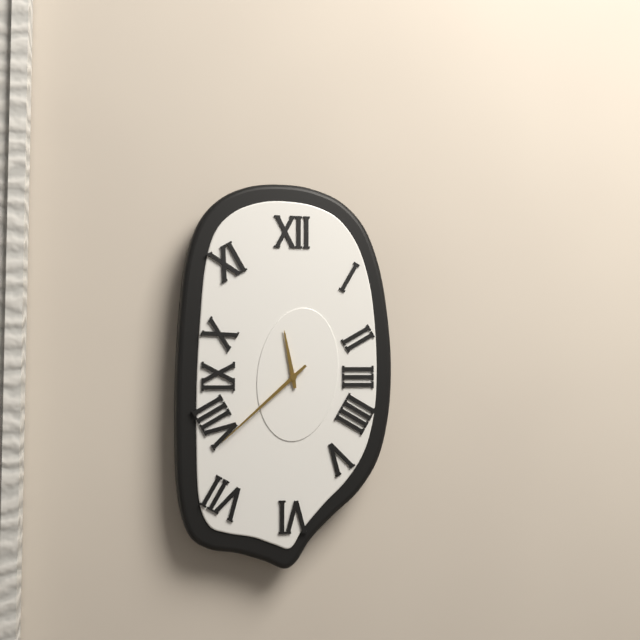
11:38
